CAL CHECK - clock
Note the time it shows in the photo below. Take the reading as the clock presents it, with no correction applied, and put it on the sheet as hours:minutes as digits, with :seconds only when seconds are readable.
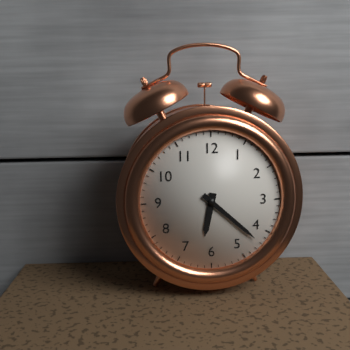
6:22
